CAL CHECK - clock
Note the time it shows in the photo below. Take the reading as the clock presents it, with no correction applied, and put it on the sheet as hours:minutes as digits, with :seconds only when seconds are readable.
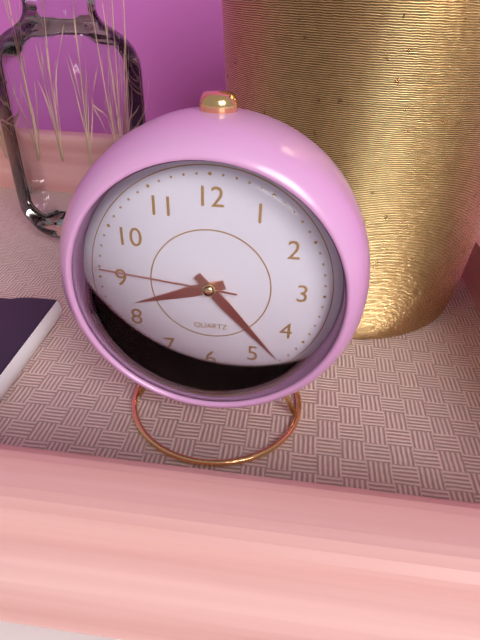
8:23:46
